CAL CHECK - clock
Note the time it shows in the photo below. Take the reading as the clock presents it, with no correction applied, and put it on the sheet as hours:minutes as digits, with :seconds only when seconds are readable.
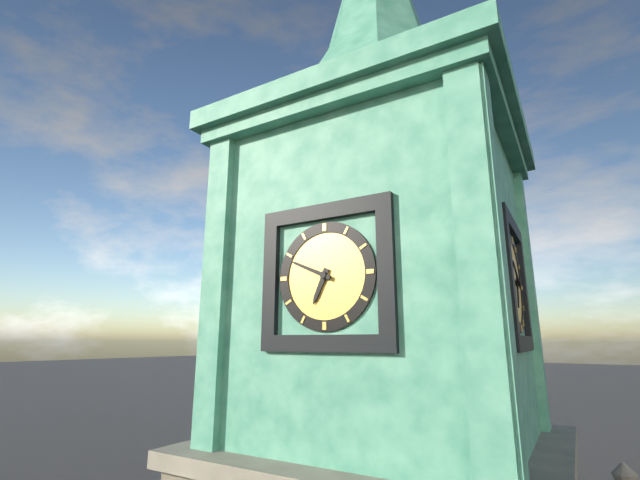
6:49
